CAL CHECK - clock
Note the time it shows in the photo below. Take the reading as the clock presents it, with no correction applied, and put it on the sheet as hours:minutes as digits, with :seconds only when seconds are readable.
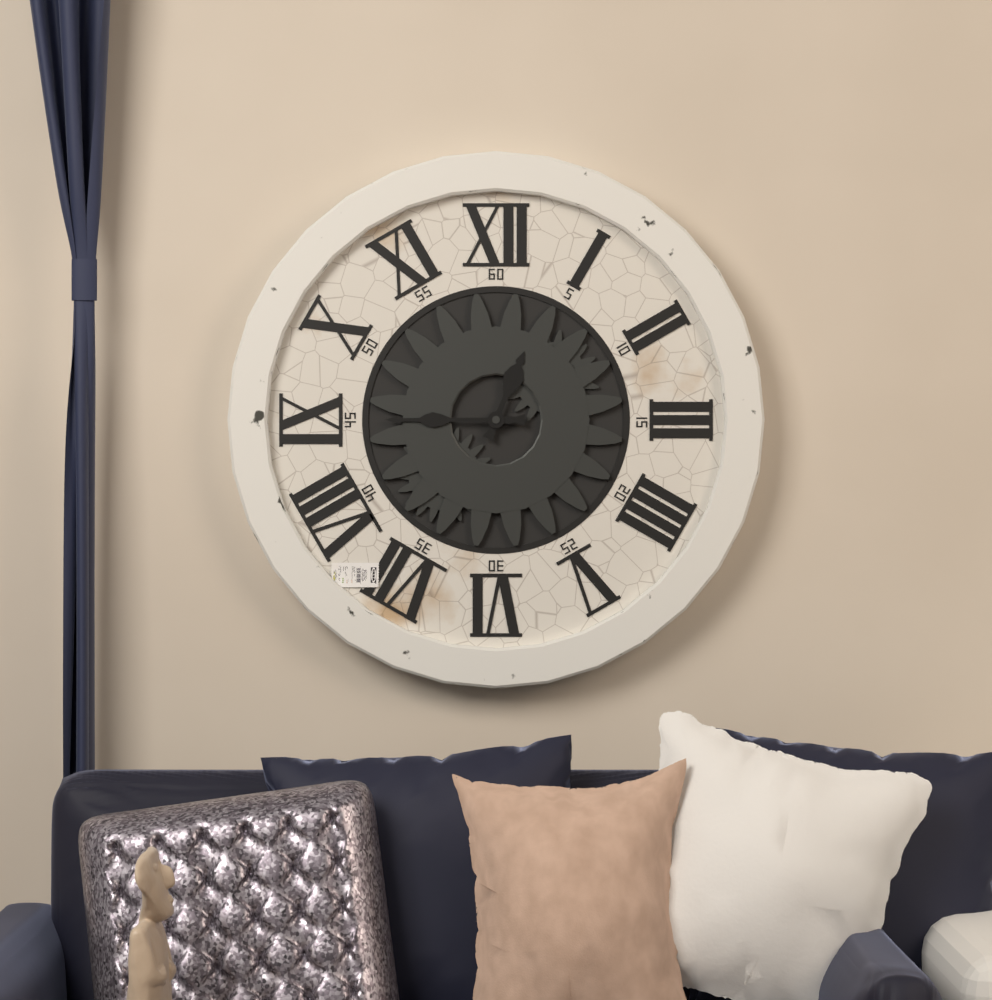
12:45
